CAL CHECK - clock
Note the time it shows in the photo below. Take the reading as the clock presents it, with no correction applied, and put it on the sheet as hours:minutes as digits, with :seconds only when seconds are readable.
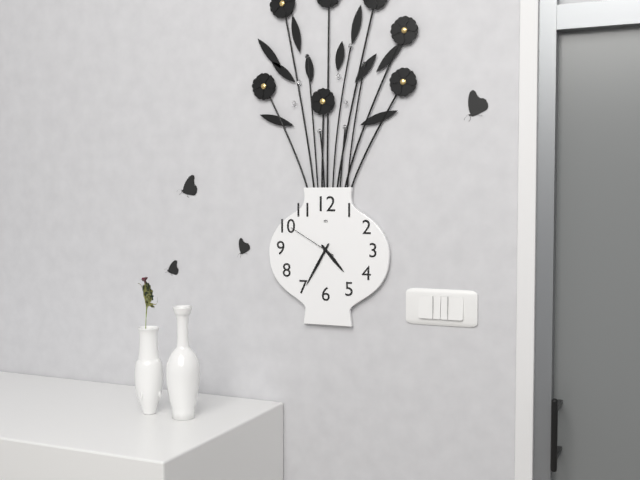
4:35:50
